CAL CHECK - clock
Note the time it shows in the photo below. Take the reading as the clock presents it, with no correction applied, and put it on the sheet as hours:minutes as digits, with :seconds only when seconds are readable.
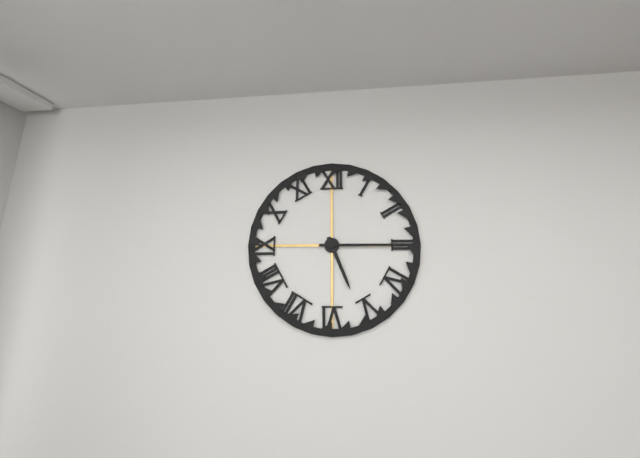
5:15
